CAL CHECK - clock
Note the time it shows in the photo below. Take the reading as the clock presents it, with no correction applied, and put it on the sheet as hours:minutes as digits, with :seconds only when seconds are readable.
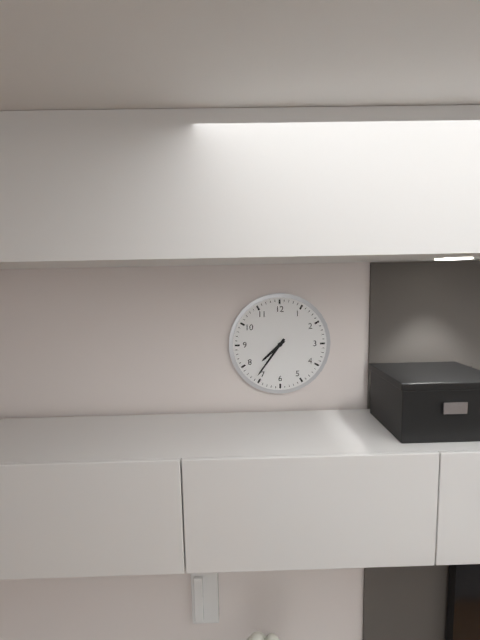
7:36
